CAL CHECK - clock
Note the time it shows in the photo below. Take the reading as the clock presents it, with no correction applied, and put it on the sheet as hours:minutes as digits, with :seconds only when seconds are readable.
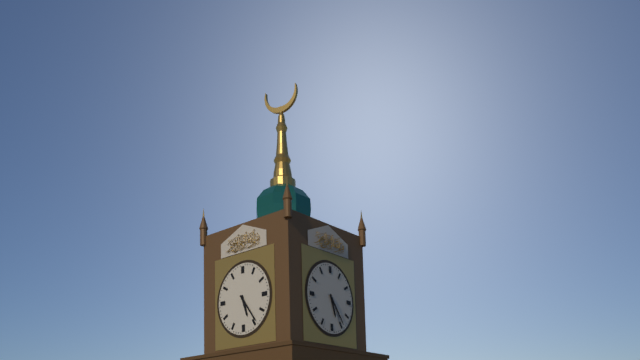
5:24
